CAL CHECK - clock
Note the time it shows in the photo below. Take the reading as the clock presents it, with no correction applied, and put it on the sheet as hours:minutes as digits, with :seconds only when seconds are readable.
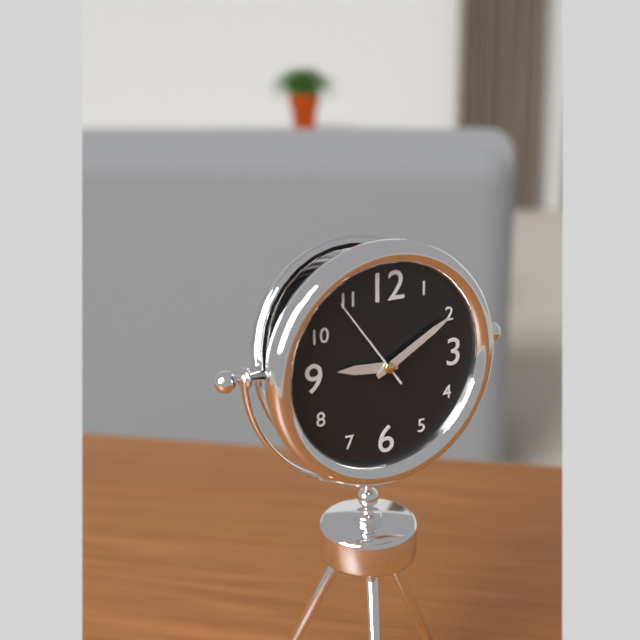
9:10:54
